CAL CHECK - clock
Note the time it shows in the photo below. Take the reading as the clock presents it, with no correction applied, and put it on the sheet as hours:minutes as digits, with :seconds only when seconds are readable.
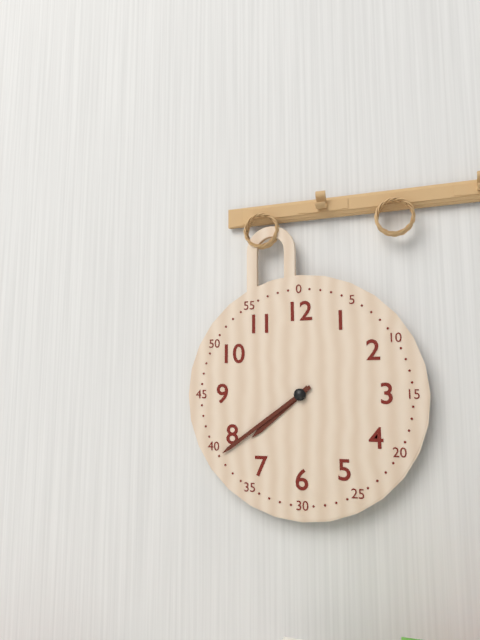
7:39
